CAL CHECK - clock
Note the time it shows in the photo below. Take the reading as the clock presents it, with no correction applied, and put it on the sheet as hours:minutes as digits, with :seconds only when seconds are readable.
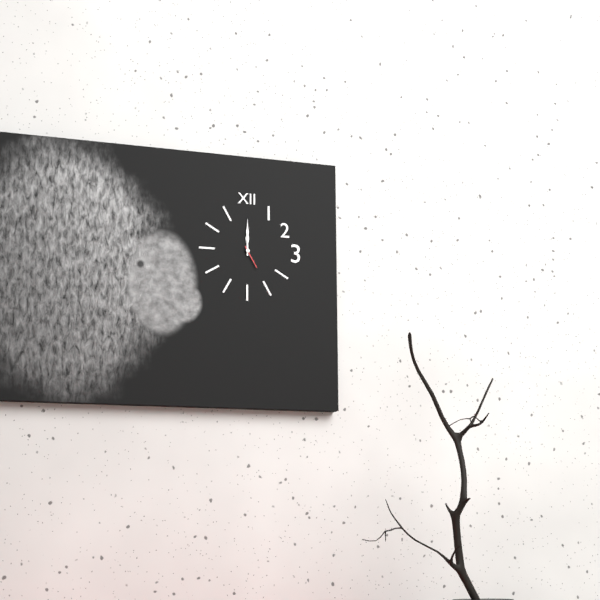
12:00
